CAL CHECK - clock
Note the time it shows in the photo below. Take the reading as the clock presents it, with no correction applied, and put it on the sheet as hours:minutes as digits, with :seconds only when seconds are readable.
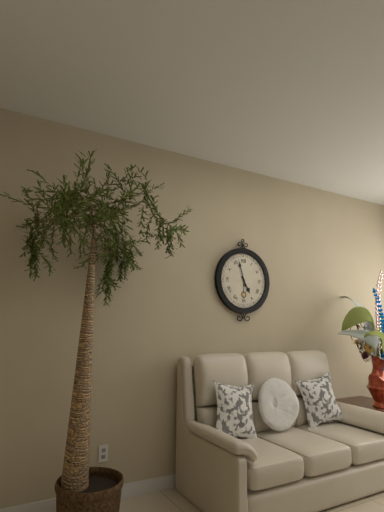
4:57
